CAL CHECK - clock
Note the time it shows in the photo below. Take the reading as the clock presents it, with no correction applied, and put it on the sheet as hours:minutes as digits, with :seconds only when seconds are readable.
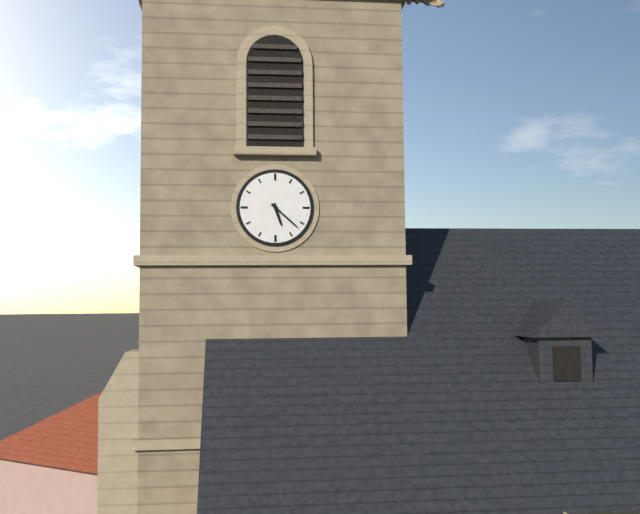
5:22
